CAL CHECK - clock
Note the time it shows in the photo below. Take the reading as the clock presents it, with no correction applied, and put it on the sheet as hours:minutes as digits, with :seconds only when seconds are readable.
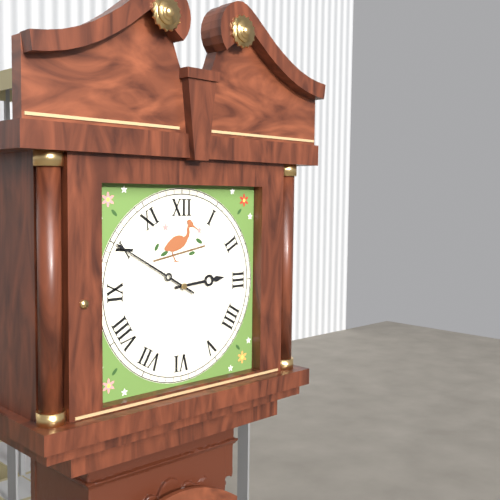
2:50
